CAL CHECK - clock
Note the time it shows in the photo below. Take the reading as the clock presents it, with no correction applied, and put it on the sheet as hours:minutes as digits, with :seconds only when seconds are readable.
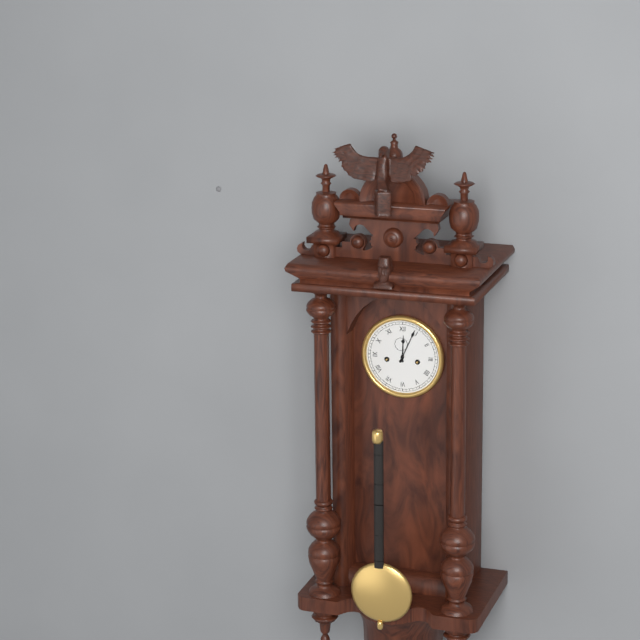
12:04
